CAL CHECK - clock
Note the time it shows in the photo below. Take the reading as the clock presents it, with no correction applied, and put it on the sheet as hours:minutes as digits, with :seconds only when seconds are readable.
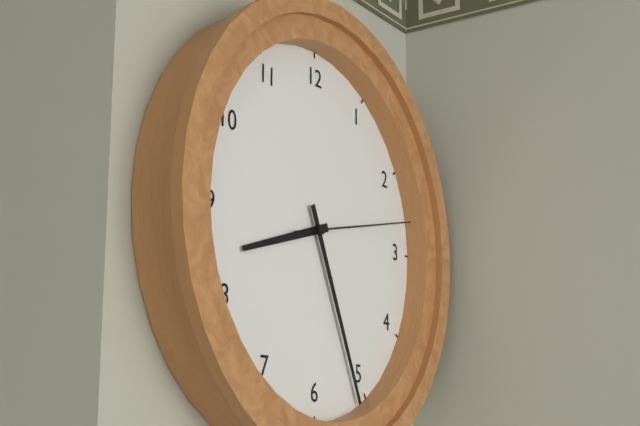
8:26:13
